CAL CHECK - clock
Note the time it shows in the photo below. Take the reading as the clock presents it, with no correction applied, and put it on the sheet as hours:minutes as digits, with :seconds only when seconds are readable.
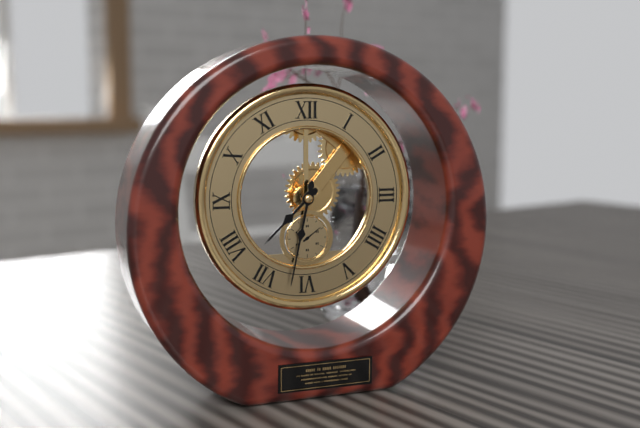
7:32
